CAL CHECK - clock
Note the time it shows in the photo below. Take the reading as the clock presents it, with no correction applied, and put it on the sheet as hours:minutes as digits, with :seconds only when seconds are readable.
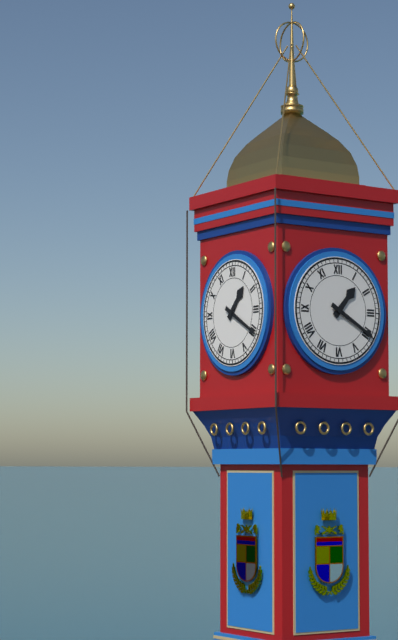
1:20
